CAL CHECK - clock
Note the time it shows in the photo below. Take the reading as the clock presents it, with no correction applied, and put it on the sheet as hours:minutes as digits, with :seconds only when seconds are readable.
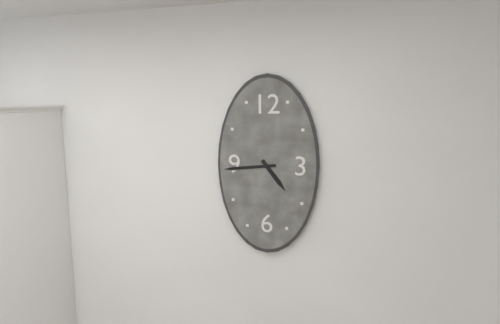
4:44
